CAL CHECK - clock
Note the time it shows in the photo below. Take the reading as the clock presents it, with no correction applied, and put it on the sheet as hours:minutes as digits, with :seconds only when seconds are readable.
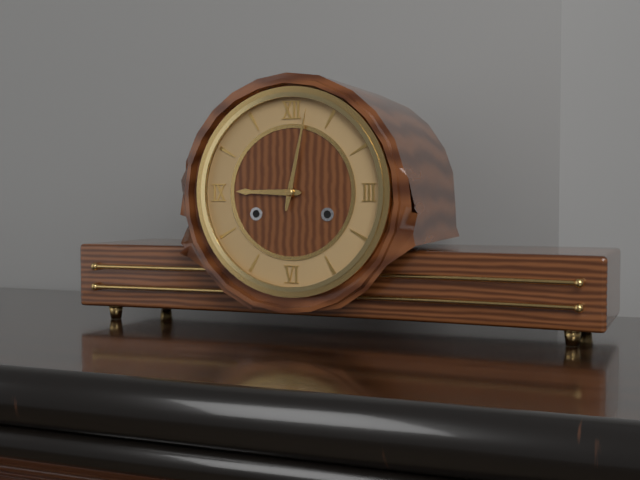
9:02
